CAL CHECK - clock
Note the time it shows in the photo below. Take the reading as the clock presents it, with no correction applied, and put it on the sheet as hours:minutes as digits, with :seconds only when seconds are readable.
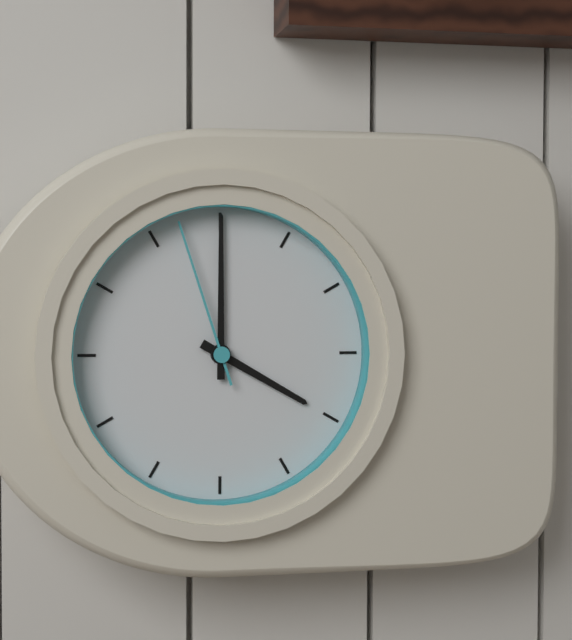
4:00:57
